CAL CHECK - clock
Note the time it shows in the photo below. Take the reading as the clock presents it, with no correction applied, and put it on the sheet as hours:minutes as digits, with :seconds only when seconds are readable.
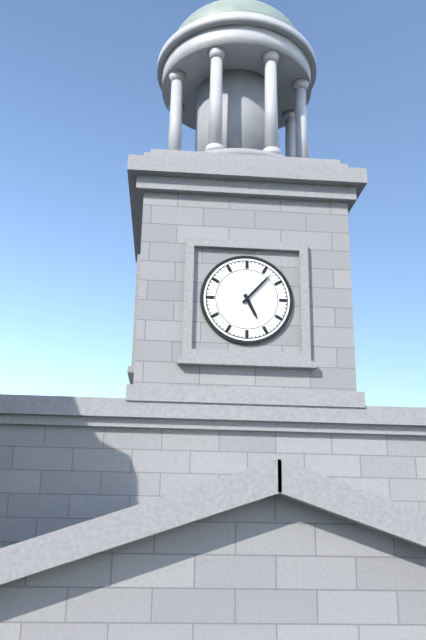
5:07
